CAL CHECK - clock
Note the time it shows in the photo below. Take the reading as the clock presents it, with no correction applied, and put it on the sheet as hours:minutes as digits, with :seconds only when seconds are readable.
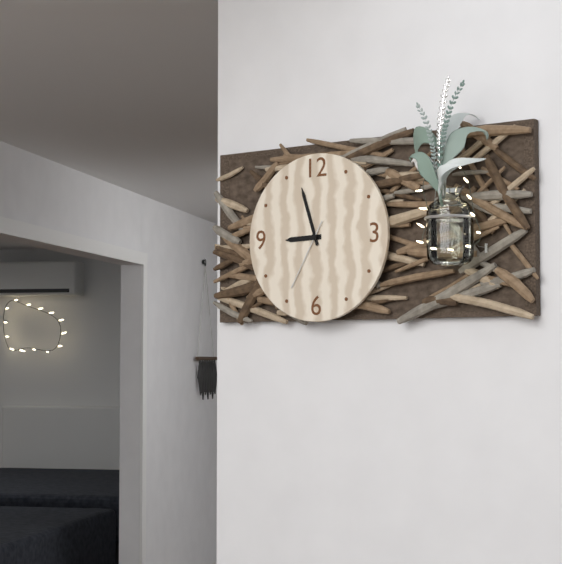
8:57:35
